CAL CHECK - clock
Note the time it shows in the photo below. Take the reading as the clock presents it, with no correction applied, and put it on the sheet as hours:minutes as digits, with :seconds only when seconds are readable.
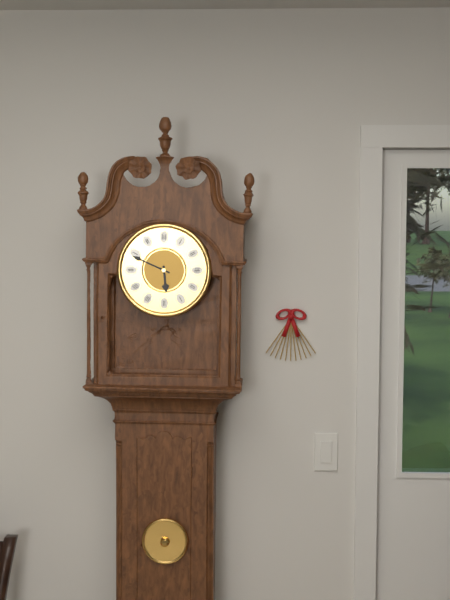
5:49
